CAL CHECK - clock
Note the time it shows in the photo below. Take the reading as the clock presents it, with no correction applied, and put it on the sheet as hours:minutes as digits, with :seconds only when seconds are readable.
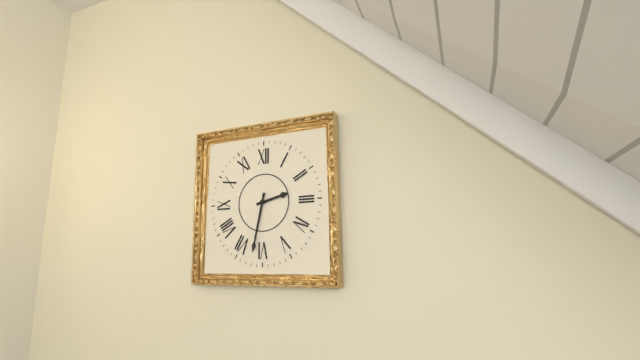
2:32
